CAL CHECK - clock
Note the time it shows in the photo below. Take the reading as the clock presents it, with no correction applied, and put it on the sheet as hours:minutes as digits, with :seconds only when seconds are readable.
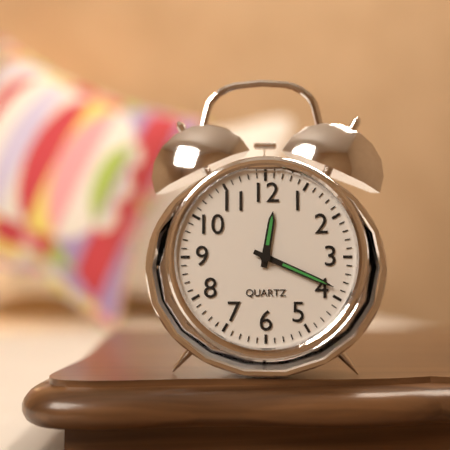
12:19
